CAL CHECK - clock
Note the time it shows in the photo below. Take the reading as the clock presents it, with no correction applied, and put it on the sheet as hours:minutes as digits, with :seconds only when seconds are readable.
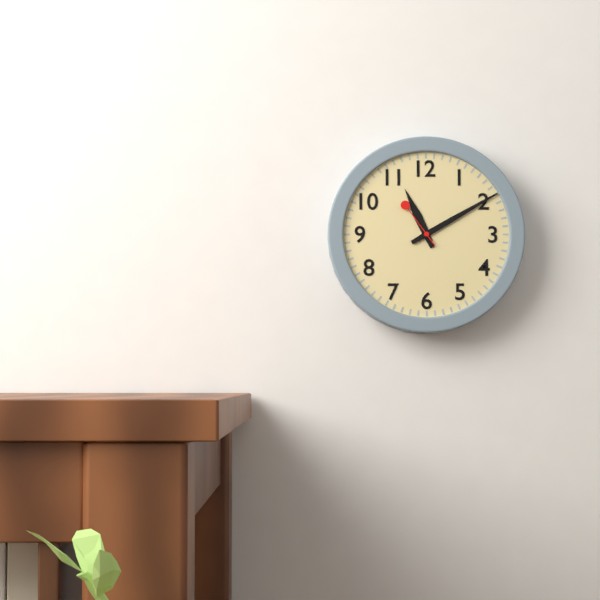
11:10:54
